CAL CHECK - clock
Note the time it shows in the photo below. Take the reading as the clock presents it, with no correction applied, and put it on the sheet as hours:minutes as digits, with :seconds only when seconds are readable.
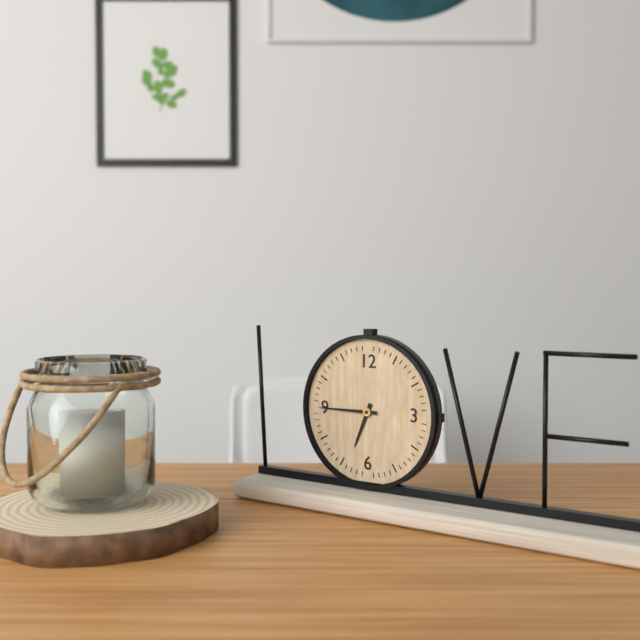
6:45
